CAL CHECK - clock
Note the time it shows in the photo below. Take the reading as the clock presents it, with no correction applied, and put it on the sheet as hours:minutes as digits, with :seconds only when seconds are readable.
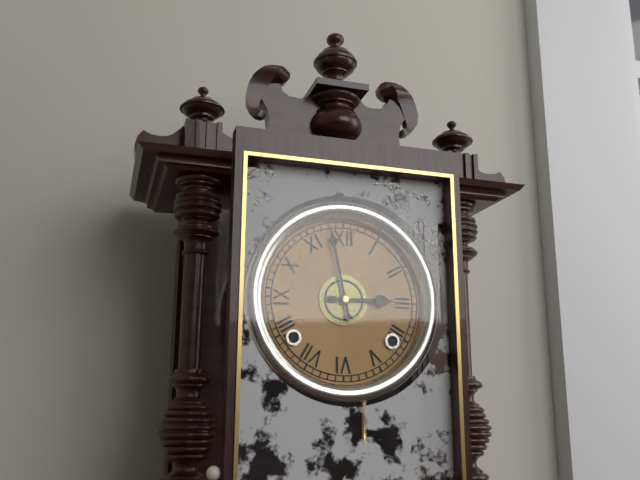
2:58
